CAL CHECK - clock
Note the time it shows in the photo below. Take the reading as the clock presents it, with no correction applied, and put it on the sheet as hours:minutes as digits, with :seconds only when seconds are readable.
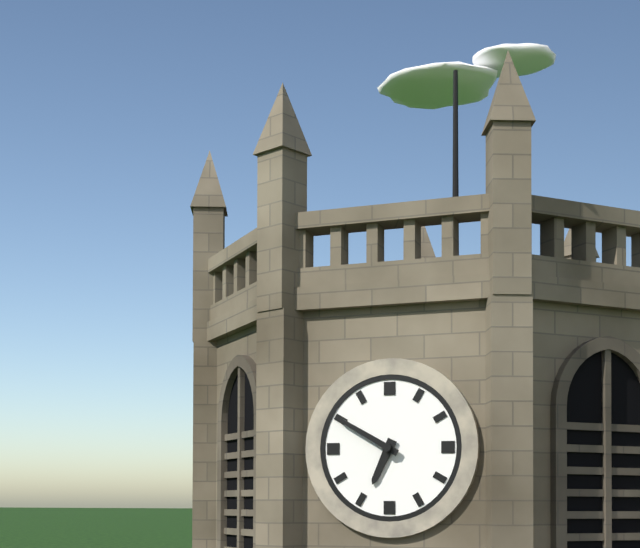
6:50
